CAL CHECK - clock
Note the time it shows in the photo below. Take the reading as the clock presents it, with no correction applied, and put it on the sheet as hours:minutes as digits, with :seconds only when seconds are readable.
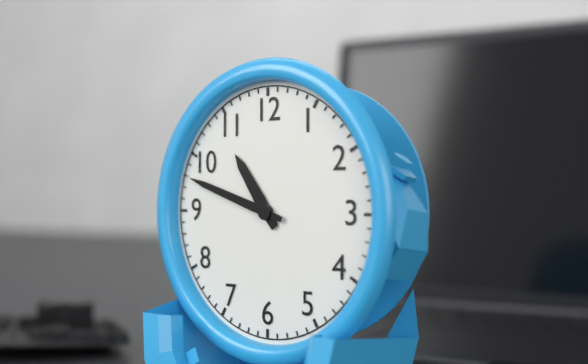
10:48
